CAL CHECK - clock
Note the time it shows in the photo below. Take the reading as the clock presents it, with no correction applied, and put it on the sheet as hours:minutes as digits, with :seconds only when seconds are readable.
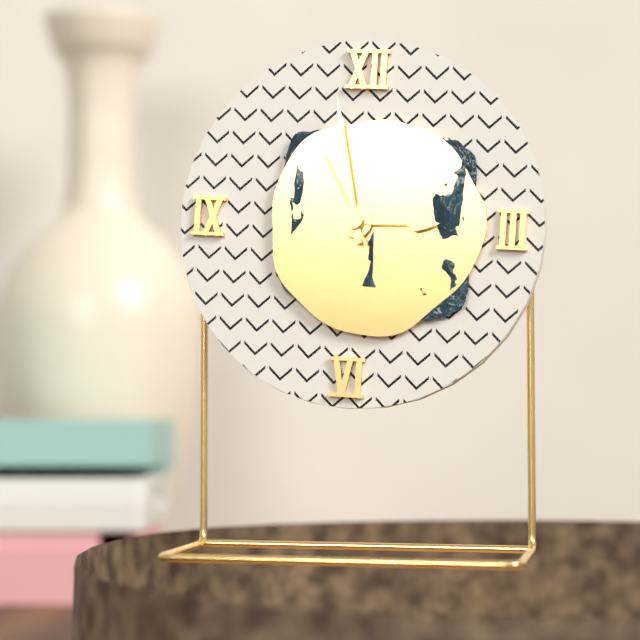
2:58:55
